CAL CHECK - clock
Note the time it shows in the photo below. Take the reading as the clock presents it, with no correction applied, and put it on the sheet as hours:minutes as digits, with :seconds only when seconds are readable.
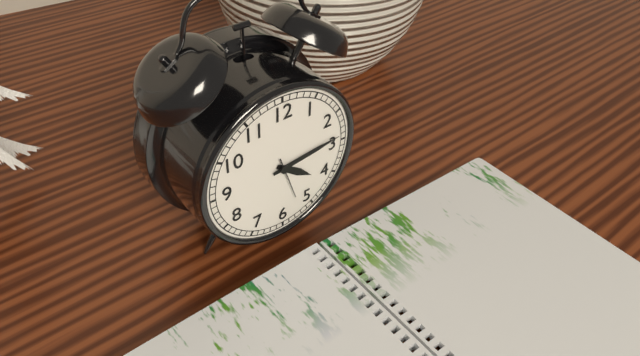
4:14
